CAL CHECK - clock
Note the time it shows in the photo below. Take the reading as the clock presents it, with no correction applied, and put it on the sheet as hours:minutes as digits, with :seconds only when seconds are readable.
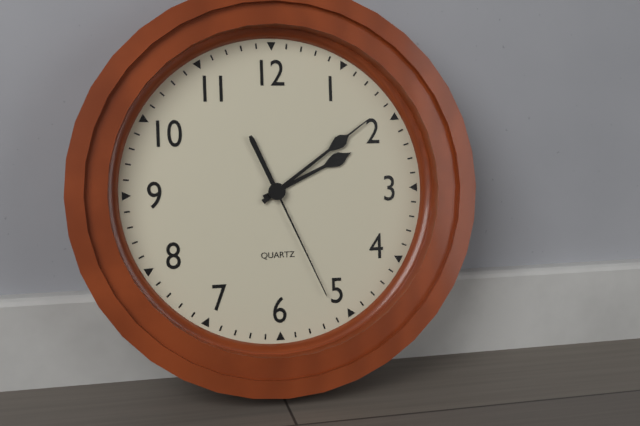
2:09:26
